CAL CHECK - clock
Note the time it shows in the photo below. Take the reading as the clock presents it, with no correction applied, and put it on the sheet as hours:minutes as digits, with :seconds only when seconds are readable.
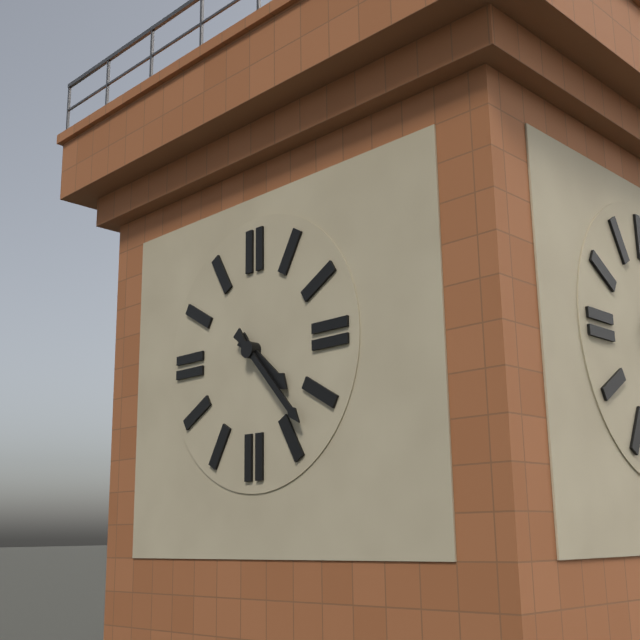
4:23
